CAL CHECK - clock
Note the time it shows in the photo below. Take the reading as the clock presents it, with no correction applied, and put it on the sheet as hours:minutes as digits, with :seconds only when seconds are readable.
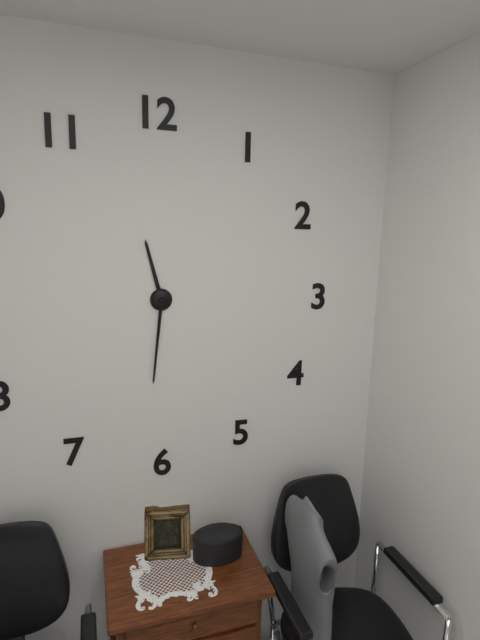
11:31
